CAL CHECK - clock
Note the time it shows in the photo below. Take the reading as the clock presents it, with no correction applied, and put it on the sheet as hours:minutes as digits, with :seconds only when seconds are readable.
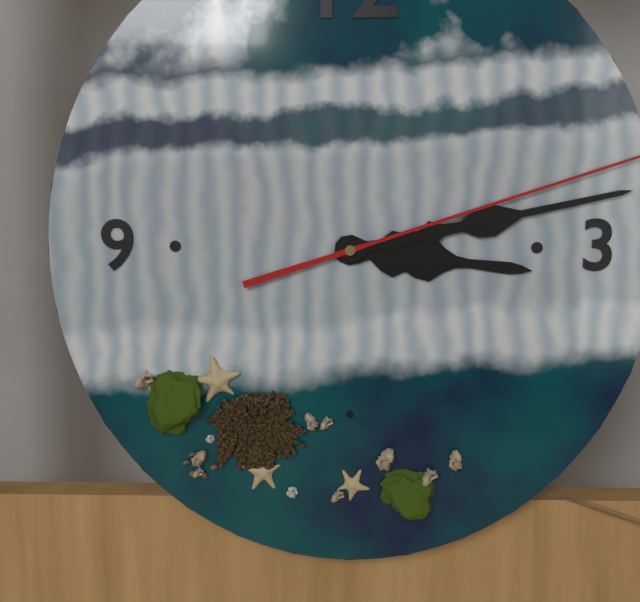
3:13
